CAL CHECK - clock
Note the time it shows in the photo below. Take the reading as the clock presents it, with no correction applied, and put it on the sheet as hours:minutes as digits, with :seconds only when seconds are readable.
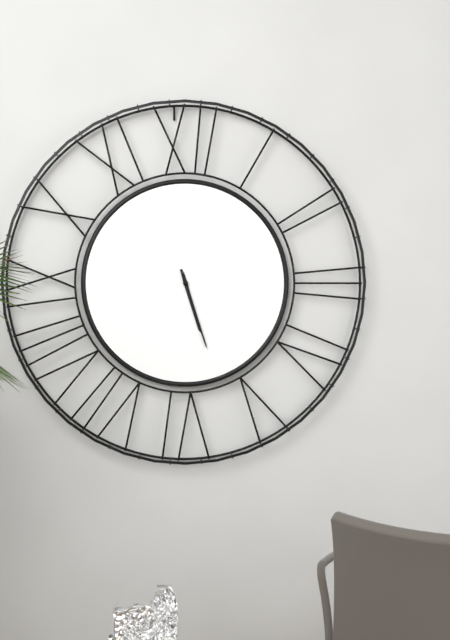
5:27
